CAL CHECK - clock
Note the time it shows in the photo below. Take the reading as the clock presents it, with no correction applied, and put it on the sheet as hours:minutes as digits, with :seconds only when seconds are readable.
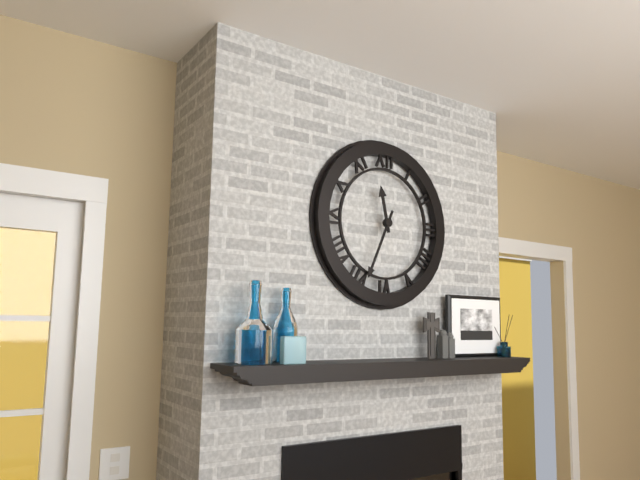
11:34
